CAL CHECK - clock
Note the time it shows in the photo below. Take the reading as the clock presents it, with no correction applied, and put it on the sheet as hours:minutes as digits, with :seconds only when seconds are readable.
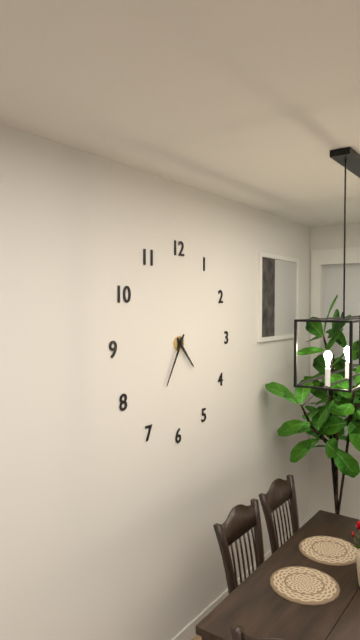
4:35
